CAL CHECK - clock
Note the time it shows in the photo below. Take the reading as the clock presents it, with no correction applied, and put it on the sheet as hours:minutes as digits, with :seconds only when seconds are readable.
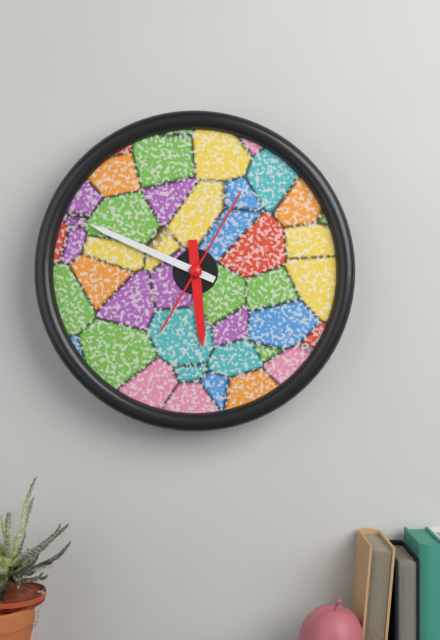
5:49:05
